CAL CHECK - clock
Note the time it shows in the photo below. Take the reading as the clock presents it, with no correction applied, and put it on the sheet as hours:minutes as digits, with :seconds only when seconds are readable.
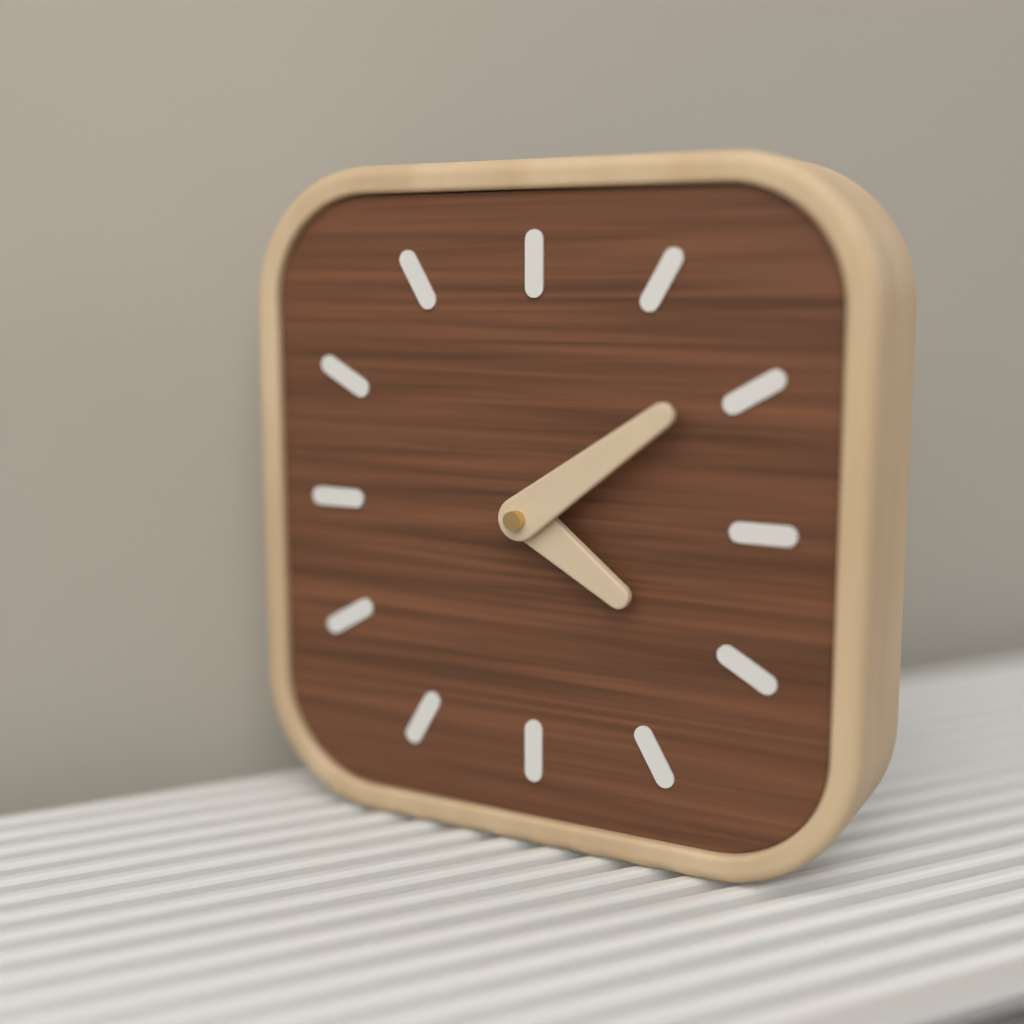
4:09
